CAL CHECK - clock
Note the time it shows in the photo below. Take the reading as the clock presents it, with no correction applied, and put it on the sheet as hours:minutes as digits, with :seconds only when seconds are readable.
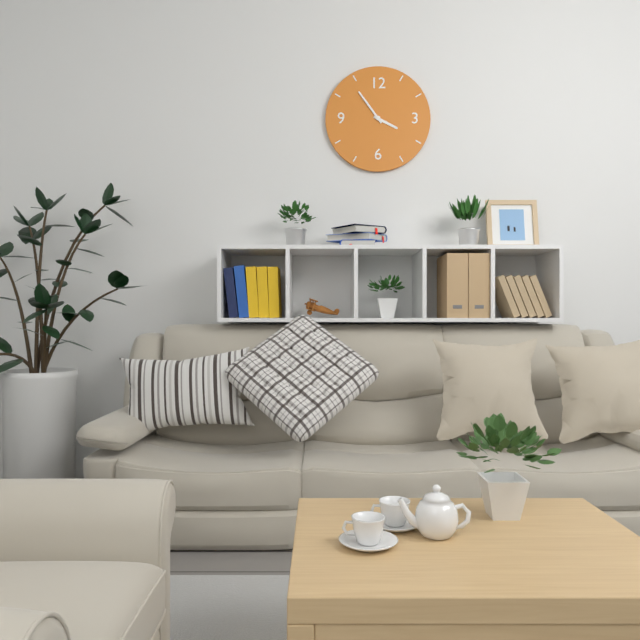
3:54
